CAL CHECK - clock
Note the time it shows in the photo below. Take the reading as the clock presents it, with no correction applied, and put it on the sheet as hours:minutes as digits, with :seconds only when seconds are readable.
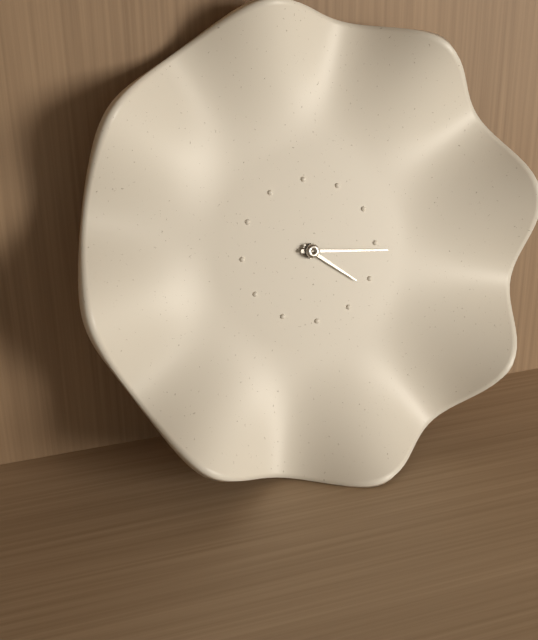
4:16
